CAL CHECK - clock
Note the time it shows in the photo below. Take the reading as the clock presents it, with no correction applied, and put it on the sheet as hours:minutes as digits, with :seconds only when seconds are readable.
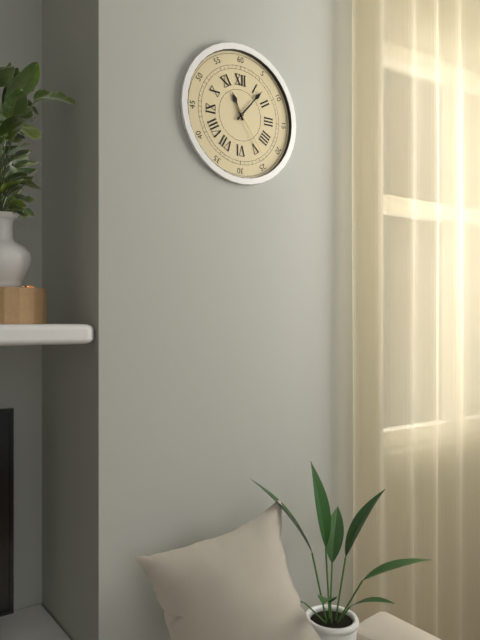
11:07:24
